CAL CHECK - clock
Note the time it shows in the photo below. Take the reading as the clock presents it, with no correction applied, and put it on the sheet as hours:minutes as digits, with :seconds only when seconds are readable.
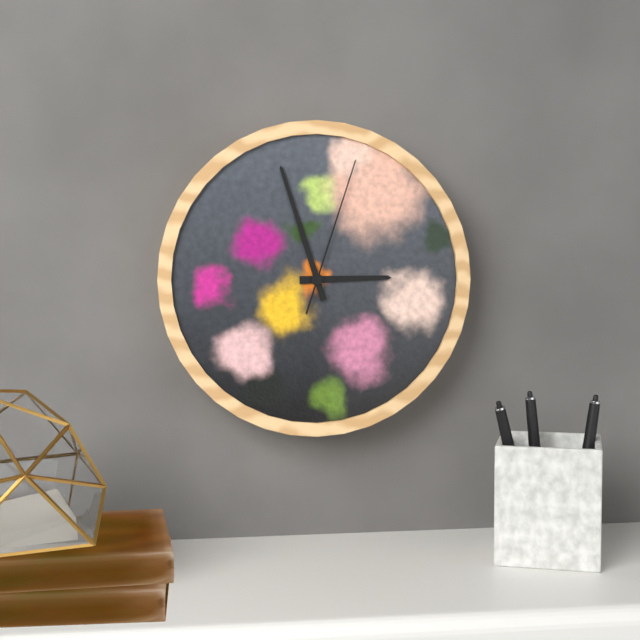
2:57:03
